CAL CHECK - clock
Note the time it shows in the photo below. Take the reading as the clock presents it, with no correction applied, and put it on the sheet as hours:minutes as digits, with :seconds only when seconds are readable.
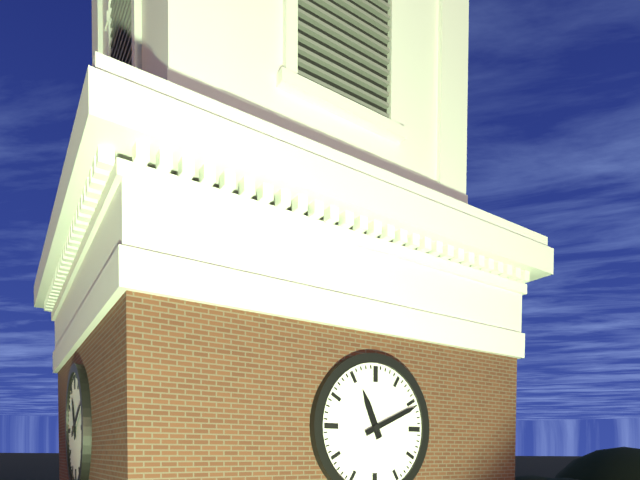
11:11
